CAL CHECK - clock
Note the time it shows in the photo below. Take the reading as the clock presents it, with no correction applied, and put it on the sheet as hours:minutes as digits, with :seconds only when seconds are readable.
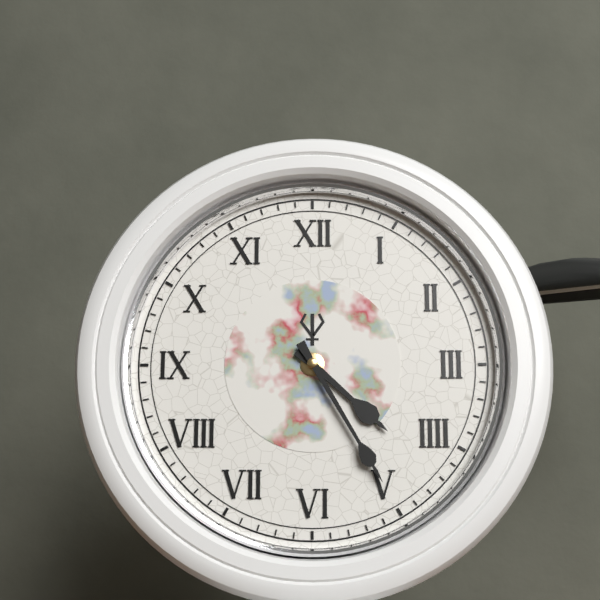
4:25
